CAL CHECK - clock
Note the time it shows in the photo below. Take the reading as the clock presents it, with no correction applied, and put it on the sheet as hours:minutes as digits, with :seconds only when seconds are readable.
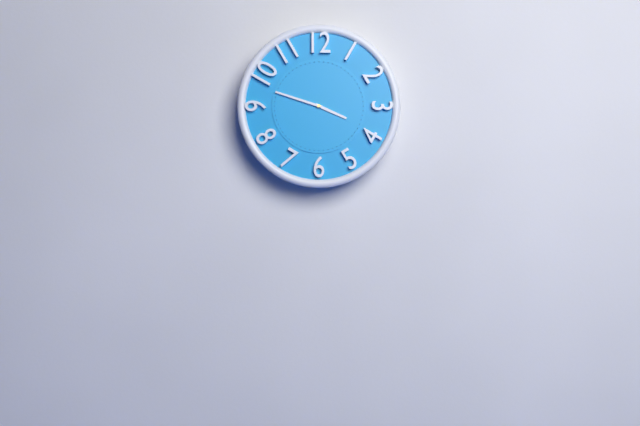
3:48
